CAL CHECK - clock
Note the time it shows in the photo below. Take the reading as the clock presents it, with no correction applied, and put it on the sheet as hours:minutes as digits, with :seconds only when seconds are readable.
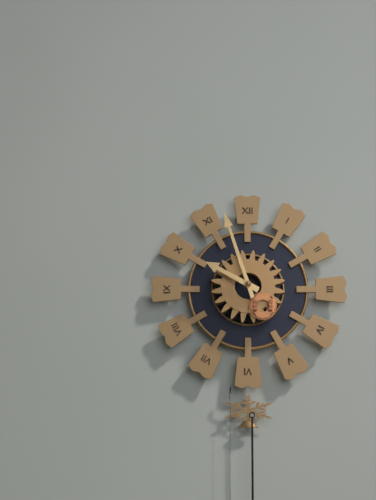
9:57
